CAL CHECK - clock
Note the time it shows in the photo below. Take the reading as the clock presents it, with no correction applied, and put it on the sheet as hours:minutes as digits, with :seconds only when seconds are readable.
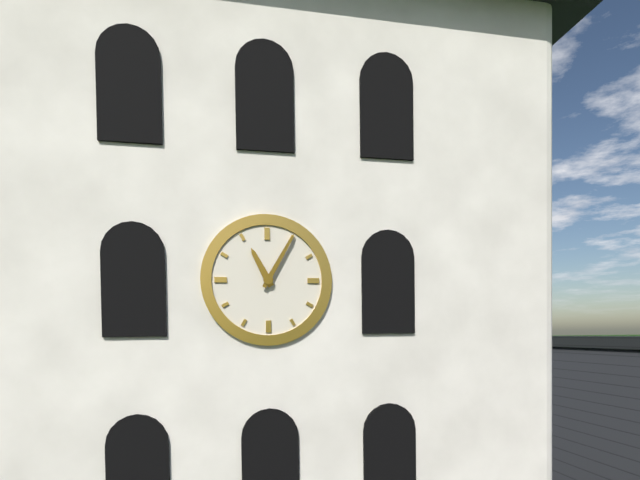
11:05
